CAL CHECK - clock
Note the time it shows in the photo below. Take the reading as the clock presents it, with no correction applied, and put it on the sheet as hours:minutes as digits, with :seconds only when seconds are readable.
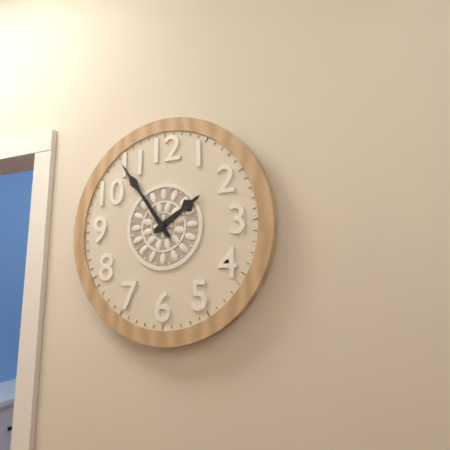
1:54
